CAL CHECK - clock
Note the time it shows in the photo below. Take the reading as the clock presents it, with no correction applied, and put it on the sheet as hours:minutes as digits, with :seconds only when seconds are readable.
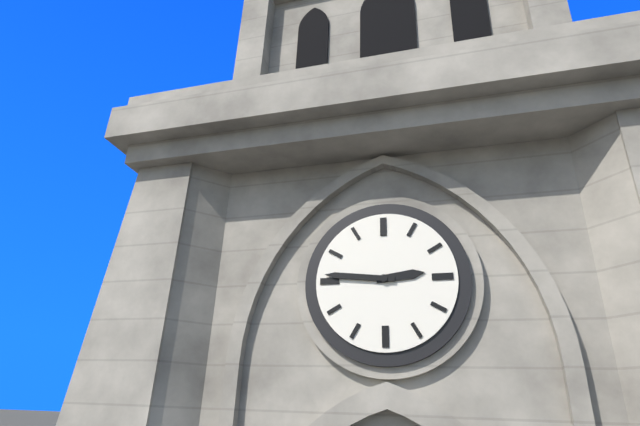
2:46
